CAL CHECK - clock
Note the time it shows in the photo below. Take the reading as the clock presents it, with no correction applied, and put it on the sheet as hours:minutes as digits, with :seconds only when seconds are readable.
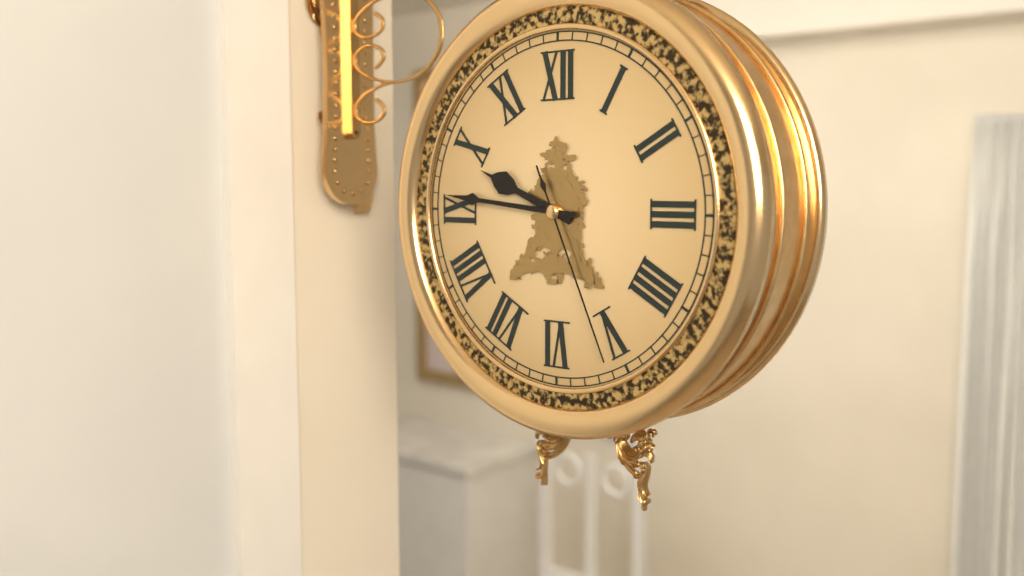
9:46:26
